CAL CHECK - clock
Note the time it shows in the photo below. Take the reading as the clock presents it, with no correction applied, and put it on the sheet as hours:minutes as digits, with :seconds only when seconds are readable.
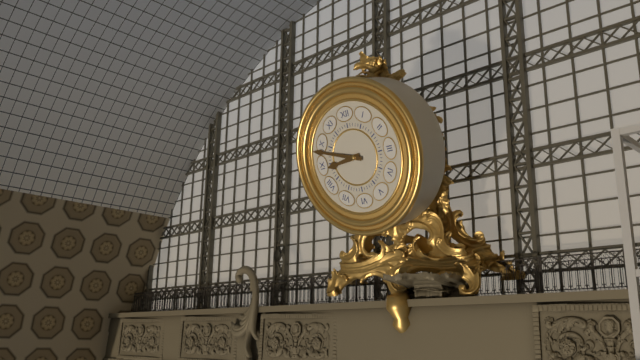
8:48
